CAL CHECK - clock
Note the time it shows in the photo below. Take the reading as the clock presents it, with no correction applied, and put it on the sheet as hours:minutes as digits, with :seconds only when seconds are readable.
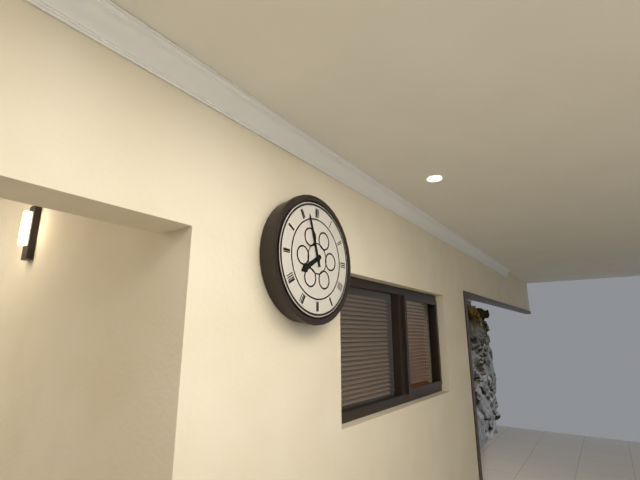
7:57
